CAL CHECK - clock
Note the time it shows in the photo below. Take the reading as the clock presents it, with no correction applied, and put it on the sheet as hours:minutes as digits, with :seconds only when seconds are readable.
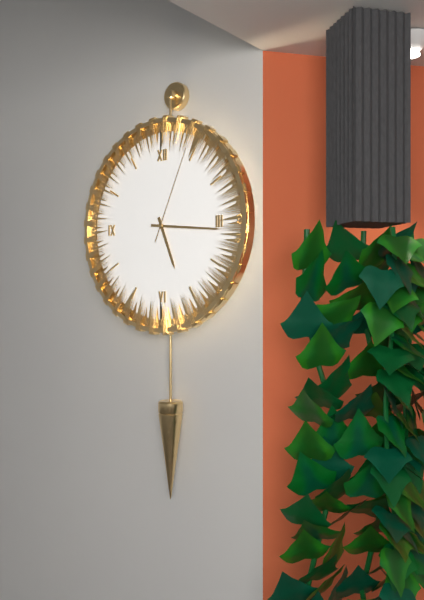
5:16:04
